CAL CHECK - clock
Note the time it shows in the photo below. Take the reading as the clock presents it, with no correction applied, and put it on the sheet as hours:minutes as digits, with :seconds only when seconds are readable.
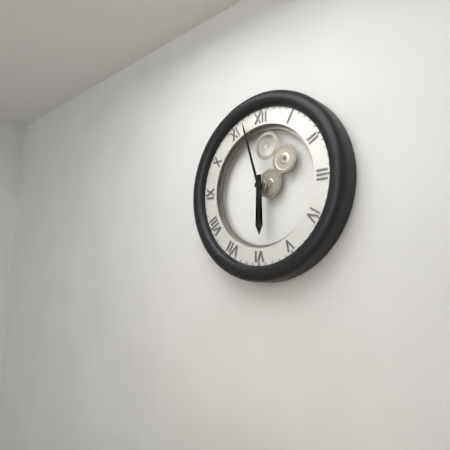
5:57
